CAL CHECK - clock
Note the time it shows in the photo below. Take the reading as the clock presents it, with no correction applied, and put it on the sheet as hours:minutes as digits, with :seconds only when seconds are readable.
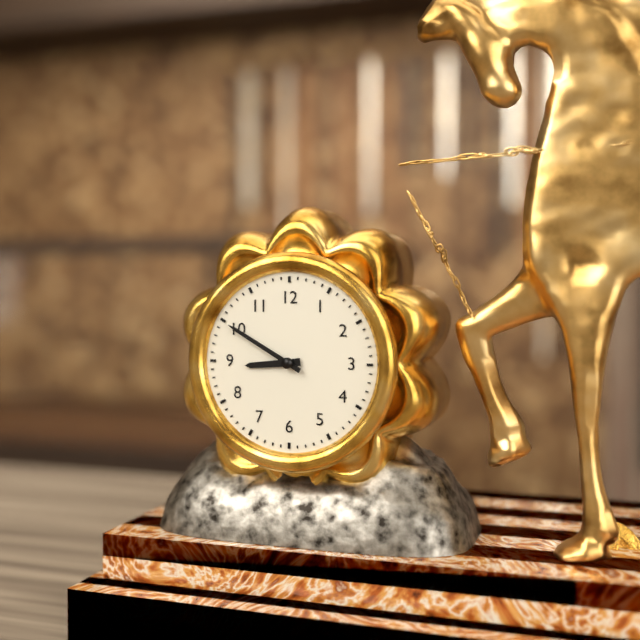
8:50
